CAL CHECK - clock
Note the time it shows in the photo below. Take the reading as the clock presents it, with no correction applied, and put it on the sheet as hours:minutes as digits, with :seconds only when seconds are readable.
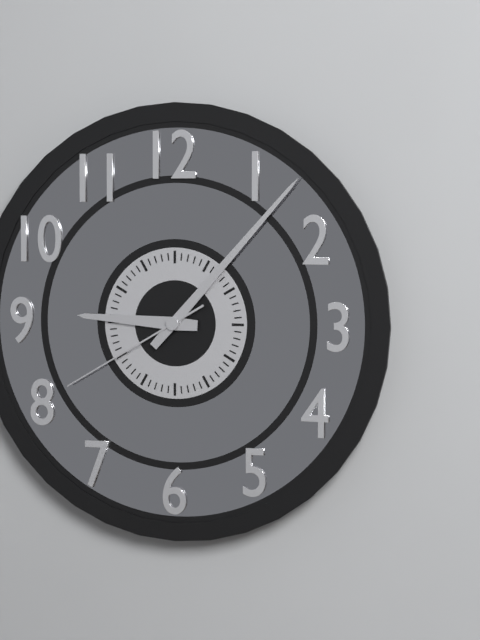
9:07:40
